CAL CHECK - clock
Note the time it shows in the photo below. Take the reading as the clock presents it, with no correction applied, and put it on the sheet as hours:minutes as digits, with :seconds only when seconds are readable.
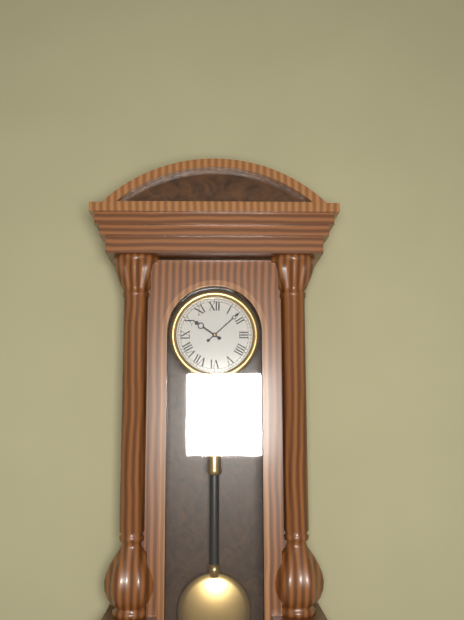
10:08
